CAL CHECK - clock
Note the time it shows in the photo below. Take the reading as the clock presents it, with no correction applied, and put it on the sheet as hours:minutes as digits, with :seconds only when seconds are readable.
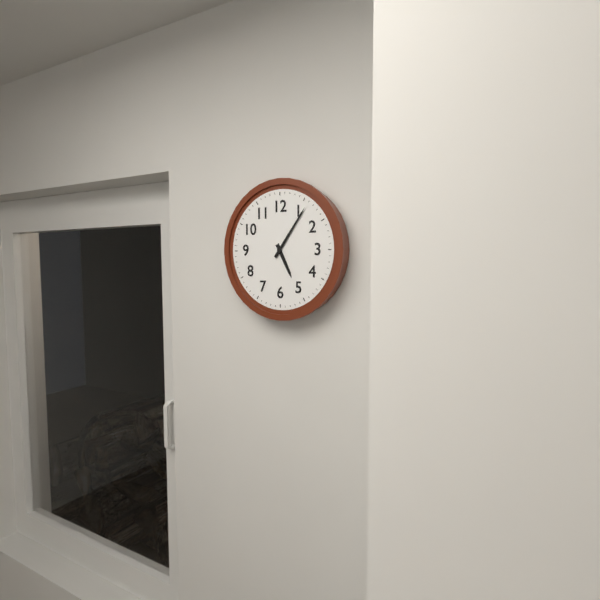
5:06
